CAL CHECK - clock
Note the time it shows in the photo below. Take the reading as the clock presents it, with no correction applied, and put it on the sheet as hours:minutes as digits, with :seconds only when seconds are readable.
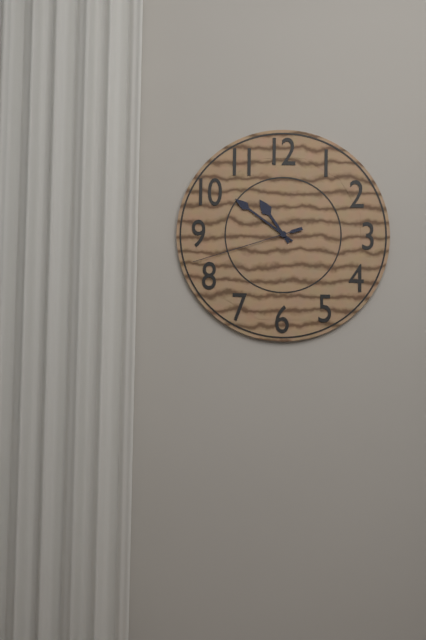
10:51:42
